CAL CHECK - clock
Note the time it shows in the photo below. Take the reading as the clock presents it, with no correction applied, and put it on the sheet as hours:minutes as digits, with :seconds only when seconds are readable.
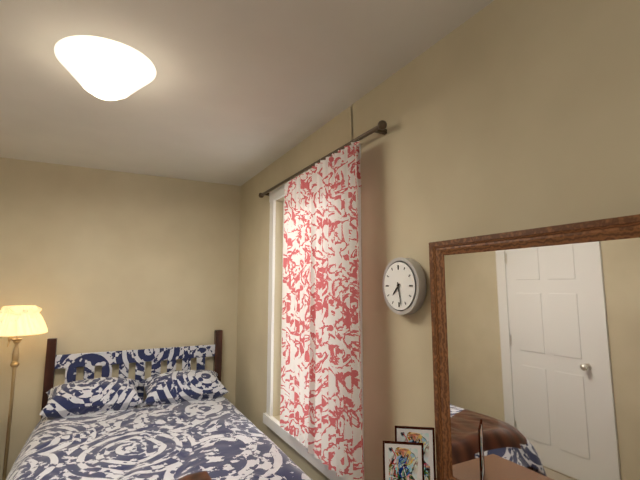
7:28
